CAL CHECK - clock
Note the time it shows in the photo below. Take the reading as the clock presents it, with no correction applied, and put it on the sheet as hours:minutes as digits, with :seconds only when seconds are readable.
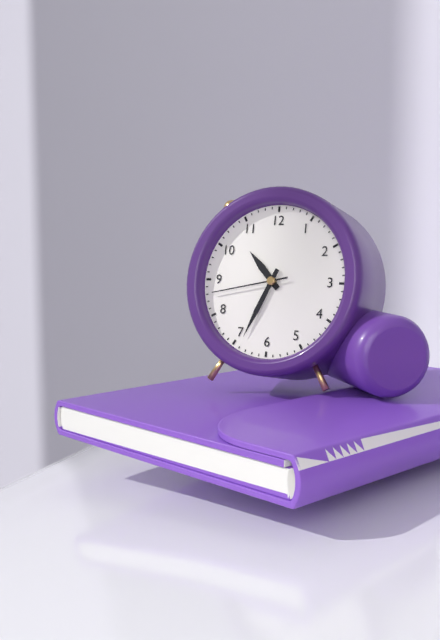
10:34:43
